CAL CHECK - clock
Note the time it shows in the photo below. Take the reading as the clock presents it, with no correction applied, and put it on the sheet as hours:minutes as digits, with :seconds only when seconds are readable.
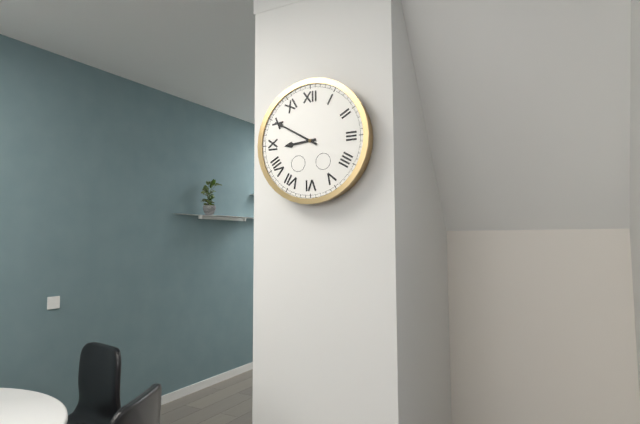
8:50
